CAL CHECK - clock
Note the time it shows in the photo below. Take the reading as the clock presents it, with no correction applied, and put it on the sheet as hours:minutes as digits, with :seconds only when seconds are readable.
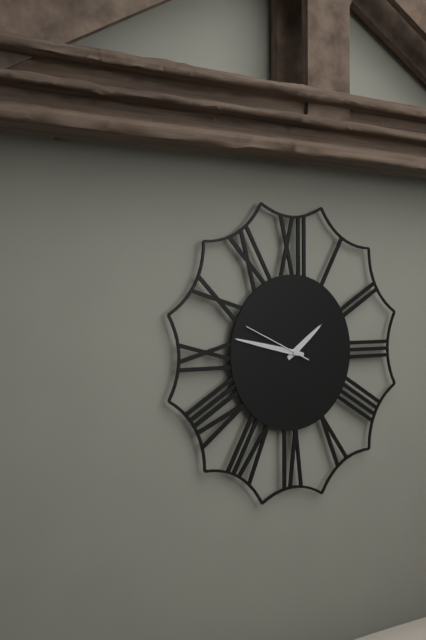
1:47:49
